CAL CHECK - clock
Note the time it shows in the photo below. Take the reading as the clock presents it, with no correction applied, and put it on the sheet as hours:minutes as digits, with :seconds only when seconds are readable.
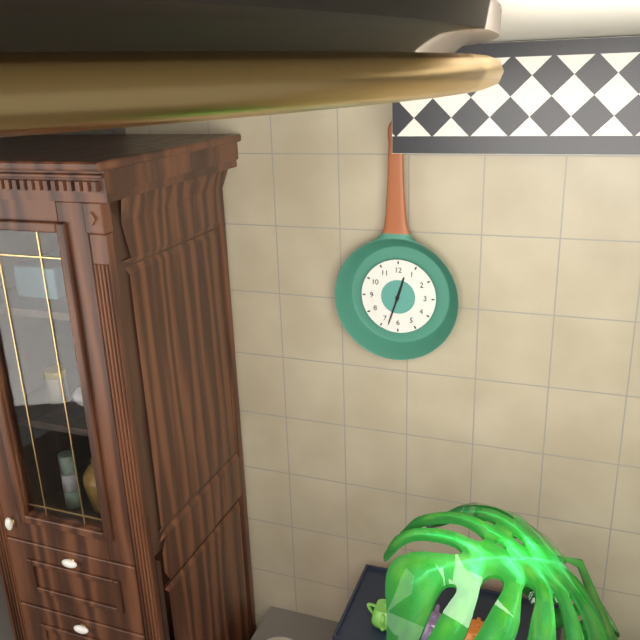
12:33
